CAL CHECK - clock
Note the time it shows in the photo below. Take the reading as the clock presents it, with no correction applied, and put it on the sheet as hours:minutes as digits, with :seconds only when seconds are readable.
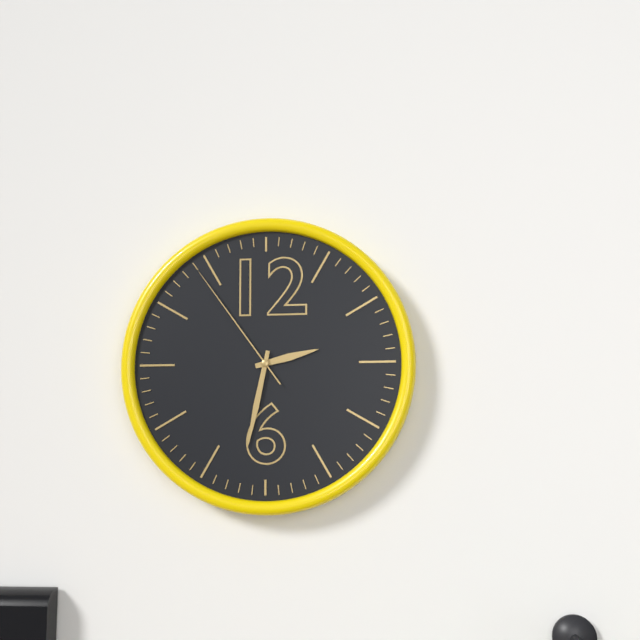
2:32:54
